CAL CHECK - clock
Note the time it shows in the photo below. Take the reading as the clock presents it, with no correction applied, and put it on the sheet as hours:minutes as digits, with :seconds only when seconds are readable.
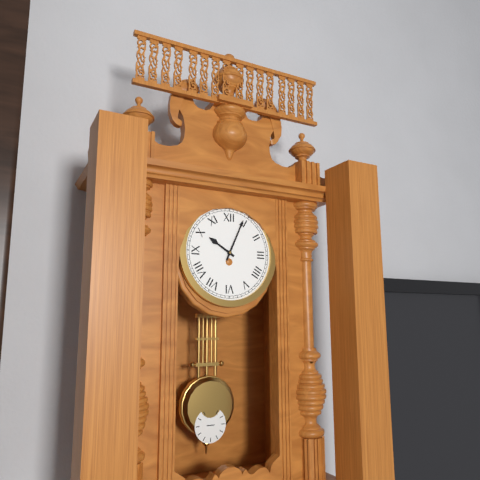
10:04
